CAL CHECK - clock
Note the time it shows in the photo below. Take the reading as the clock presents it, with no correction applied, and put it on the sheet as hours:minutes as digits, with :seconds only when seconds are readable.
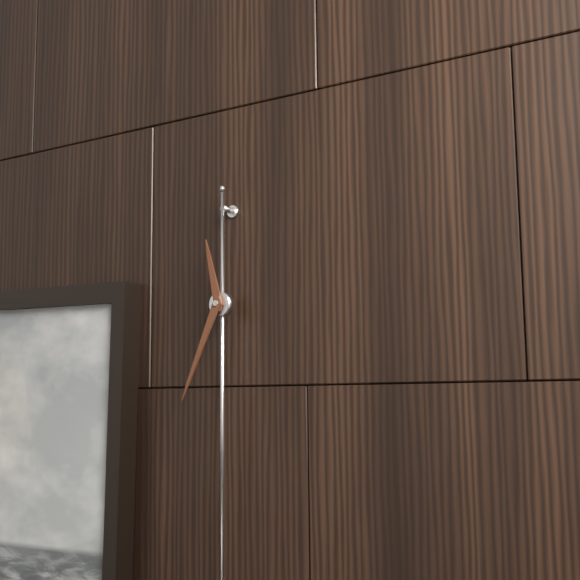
11:34
